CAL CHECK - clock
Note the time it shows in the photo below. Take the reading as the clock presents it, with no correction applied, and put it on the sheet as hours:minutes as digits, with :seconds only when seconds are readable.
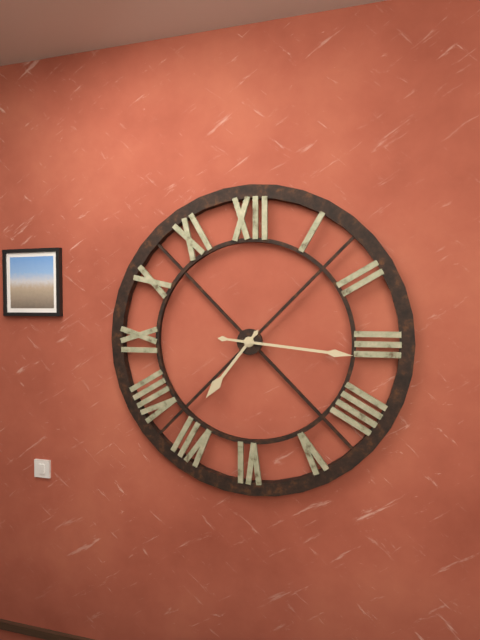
7:16
